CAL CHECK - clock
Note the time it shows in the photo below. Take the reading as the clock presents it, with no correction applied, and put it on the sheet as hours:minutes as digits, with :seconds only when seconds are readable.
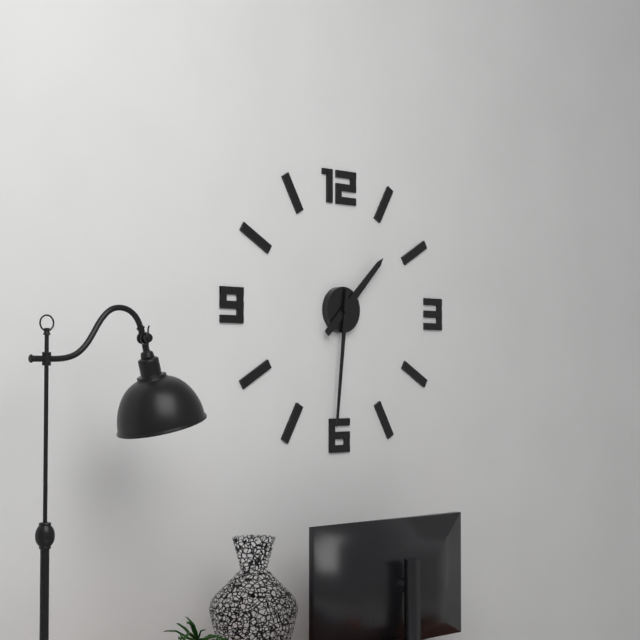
1:31
